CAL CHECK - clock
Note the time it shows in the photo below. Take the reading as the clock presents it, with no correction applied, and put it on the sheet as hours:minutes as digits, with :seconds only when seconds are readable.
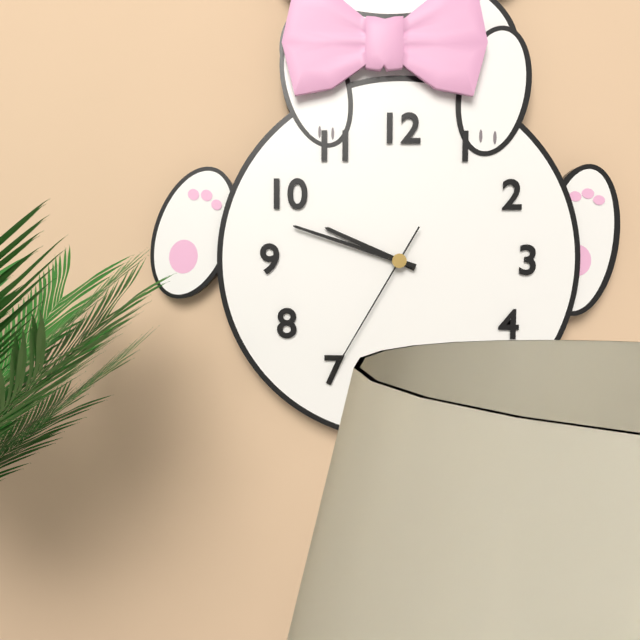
9:48:35
